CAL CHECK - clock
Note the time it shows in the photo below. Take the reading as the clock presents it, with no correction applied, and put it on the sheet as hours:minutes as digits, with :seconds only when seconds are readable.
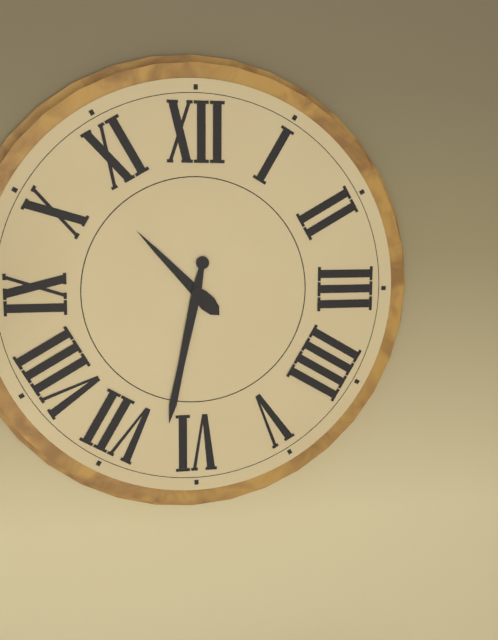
10:32
